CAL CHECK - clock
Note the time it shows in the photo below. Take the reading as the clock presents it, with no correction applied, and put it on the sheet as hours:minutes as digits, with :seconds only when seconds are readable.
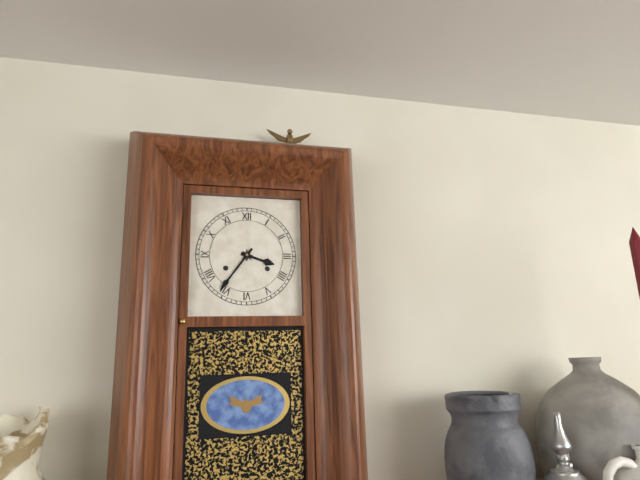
3:36
